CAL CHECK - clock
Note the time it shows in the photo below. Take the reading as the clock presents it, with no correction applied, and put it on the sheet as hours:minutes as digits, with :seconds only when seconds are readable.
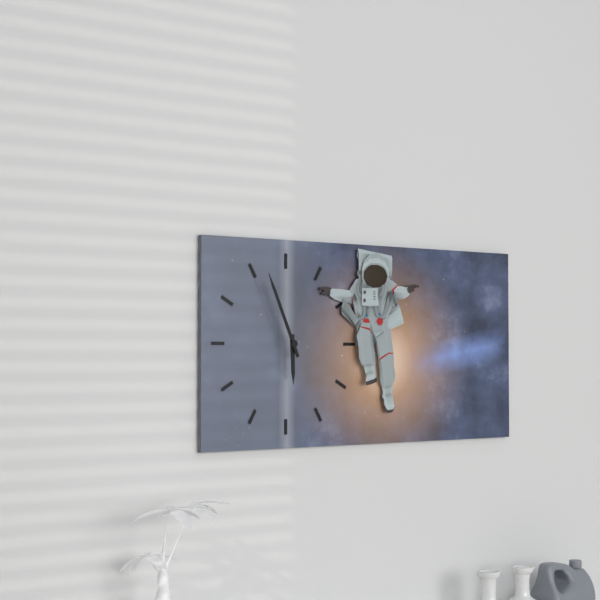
5:56
